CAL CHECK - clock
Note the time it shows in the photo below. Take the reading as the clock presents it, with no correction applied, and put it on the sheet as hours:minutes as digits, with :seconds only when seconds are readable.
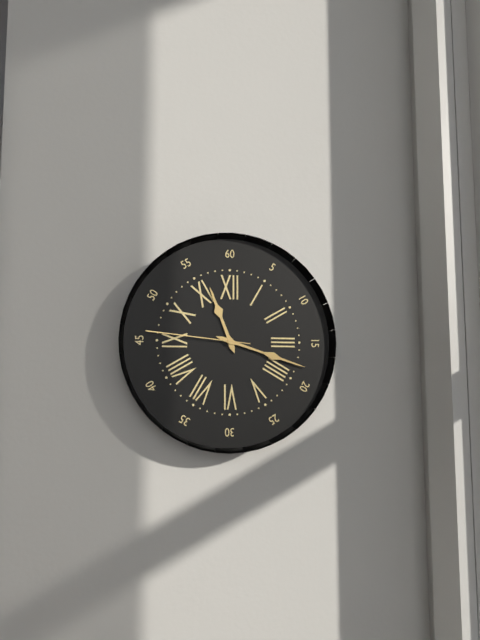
11:18:46
